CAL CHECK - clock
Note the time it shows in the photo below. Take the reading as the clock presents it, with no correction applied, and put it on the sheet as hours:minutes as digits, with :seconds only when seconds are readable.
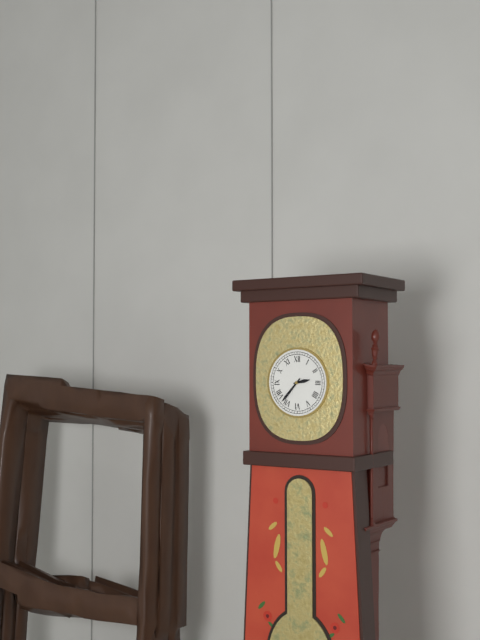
2:37
